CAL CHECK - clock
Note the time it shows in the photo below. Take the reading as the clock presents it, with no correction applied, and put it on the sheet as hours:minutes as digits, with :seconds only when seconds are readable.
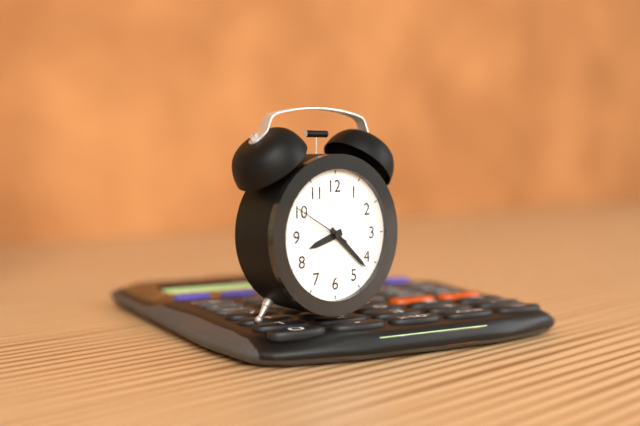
8:22:50
